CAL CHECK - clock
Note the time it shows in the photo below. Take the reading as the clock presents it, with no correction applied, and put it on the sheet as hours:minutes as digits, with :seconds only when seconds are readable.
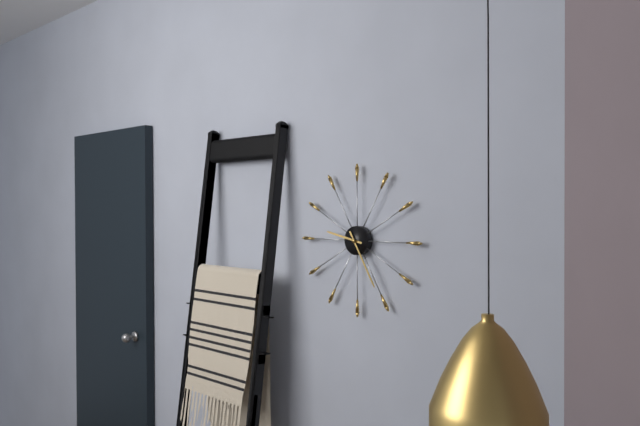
9:25
